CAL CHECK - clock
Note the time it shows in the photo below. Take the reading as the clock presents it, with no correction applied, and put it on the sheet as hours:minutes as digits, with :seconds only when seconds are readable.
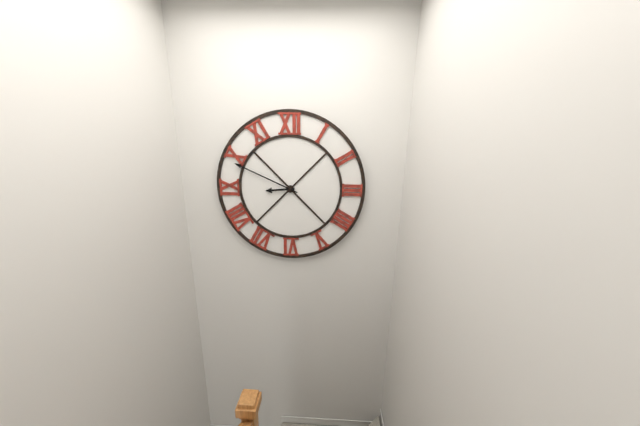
8:49
